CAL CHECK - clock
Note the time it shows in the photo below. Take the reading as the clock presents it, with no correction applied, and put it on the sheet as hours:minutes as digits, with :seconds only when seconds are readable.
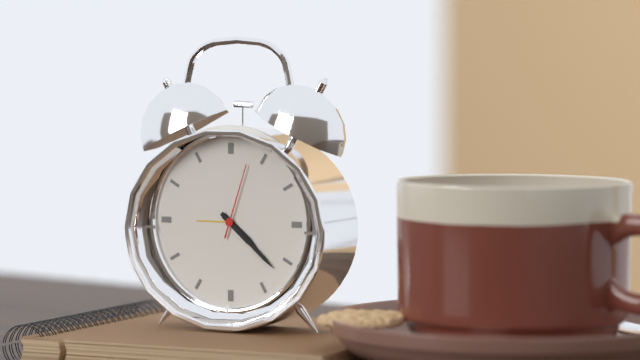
4:22:03
